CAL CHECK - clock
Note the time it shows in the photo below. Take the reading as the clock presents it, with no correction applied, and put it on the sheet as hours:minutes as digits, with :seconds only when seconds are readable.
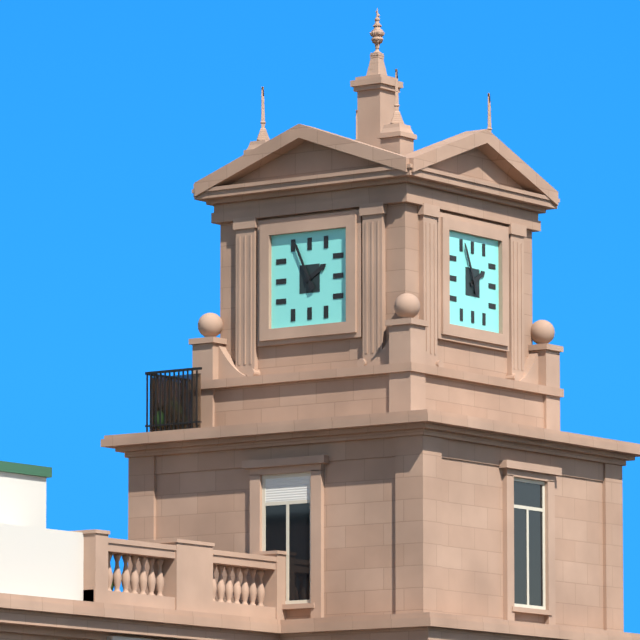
1:56
